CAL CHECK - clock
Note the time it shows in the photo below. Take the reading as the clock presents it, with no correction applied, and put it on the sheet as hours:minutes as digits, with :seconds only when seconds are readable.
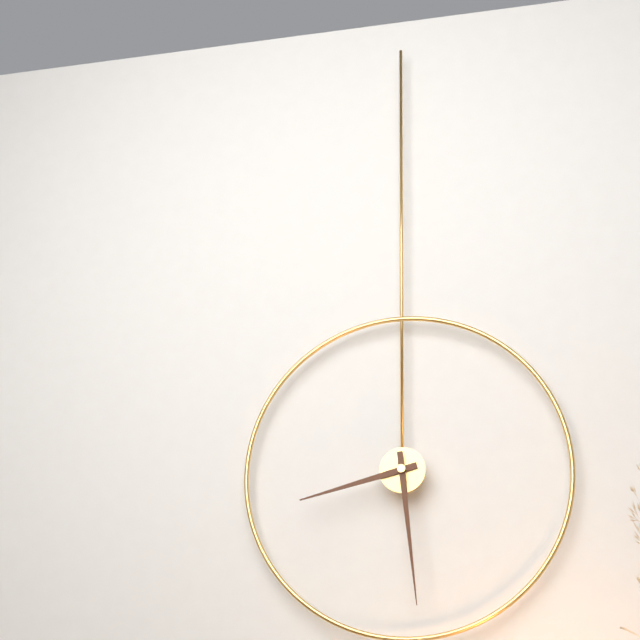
8:29
